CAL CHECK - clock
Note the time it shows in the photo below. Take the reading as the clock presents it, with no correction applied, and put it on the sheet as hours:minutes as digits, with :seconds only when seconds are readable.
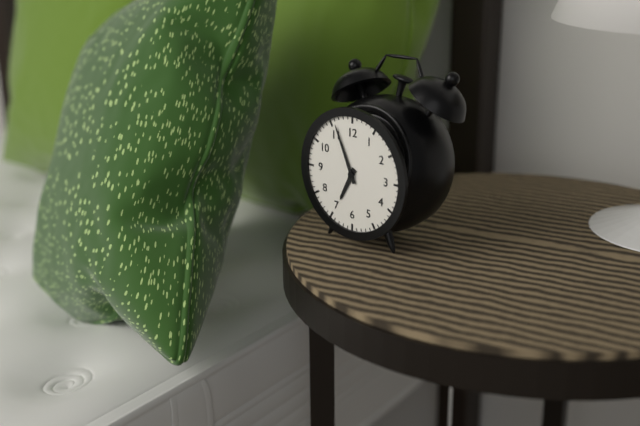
6:56
